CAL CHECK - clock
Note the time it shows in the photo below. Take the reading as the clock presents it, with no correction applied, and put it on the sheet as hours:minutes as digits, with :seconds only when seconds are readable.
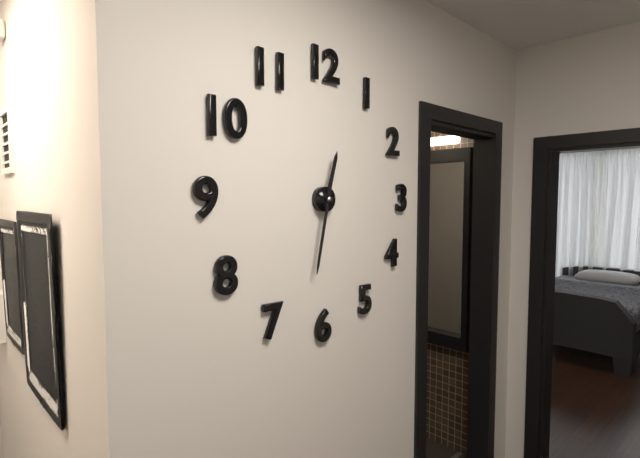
12:32
